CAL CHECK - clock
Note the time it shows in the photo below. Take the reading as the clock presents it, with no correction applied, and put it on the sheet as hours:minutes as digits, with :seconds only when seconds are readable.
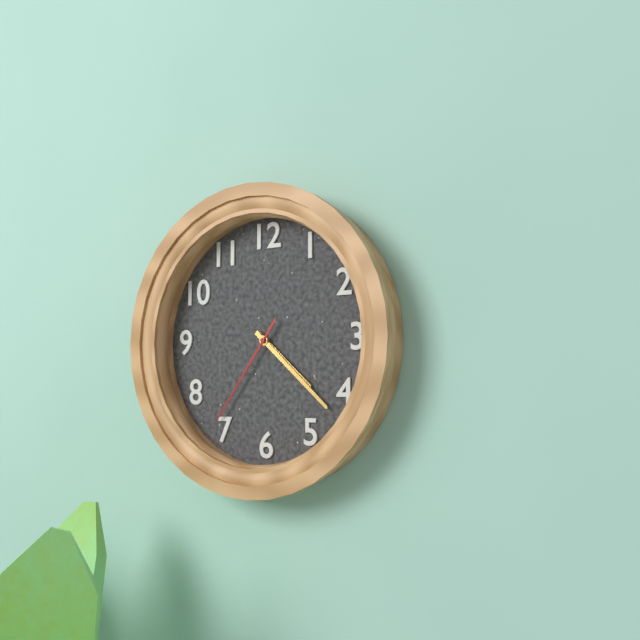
4:22:36
